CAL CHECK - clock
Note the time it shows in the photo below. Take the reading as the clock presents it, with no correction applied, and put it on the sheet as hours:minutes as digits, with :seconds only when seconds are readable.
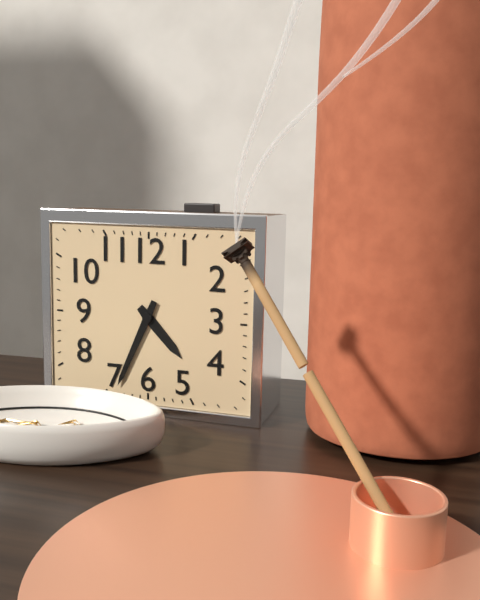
4:34
